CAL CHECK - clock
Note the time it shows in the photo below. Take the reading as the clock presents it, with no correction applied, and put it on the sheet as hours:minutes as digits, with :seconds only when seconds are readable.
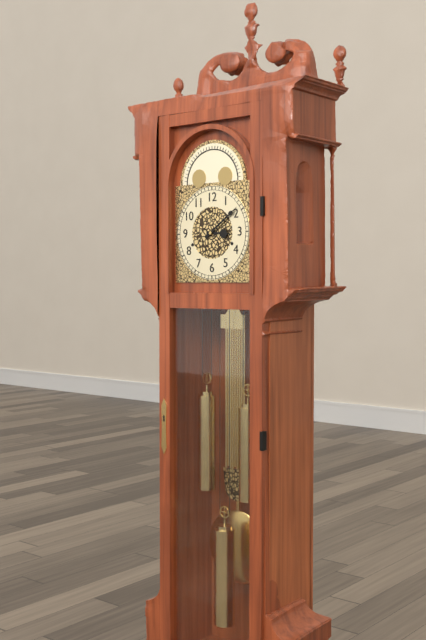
3:09
